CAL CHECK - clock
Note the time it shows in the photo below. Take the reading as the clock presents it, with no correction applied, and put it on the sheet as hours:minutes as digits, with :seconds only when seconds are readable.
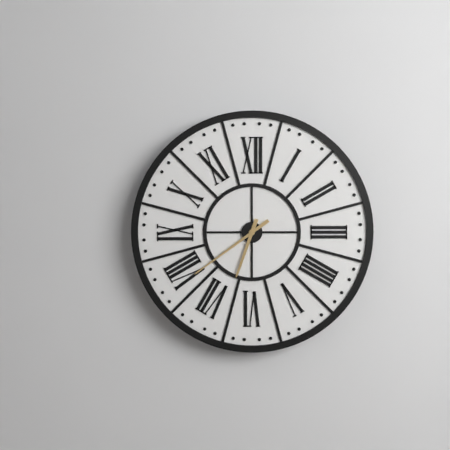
6:39
